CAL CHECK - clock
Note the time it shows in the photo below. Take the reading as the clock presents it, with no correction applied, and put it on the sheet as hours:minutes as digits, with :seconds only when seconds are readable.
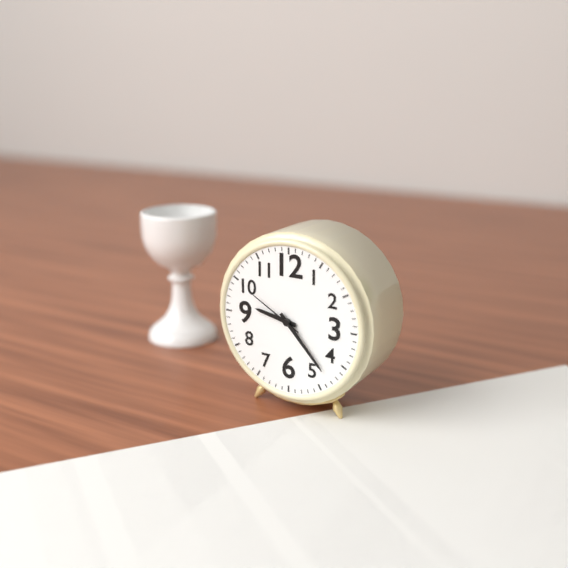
9:23:50
